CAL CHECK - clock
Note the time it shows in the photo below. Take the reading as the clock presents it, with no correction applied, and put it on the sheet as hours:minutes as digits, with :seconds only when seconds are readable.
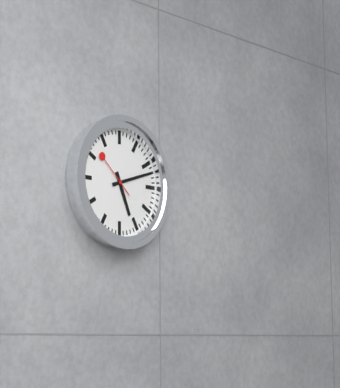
5:12
